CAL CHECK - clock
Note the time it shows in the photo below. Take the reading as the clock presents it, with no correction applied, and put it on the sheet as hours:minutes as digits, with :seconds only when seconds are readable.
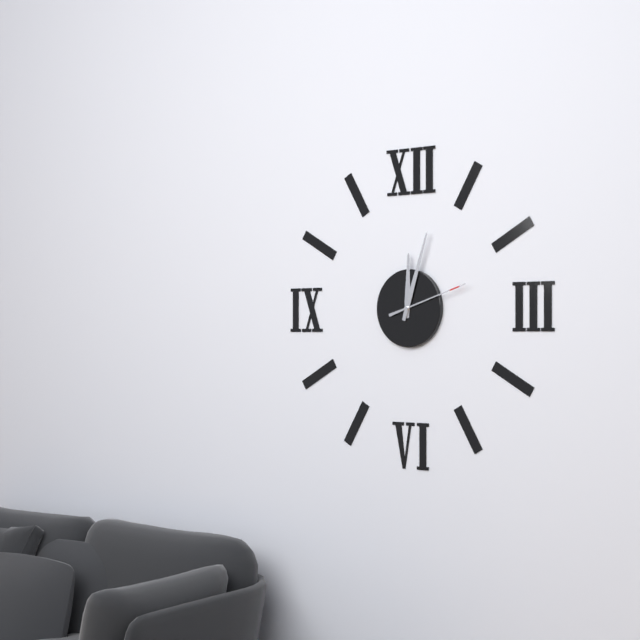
12:03:12
